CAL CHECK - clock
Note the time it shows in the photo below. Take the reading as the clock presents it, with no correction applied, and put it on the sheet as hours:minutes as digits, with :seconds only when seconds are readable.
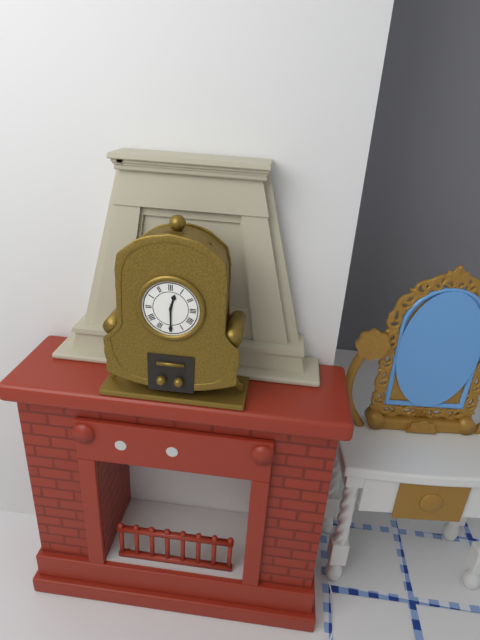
12:30
